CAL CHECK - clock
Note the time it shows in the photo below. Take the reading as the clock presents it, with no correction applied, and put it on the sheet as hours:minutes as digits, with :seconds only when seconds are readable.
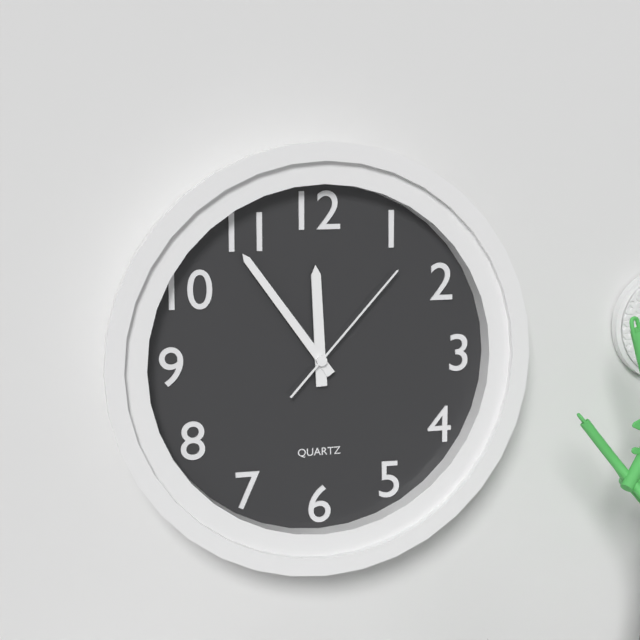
11:54:07
